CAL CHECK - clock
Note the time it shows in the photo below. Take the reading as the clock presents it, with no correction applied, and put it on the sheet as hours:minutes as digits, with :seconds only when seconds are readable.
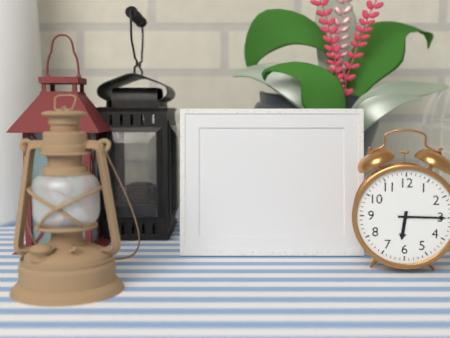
6:15
